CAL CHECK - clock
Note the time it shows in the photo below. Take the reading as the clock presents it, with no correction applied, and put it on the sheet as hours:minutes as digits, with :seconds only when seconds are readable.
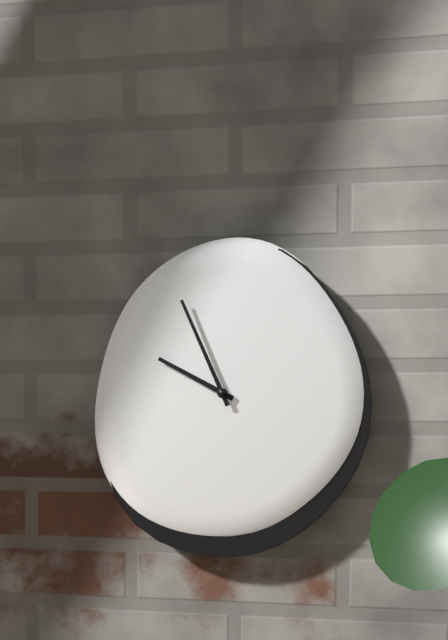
9:56
